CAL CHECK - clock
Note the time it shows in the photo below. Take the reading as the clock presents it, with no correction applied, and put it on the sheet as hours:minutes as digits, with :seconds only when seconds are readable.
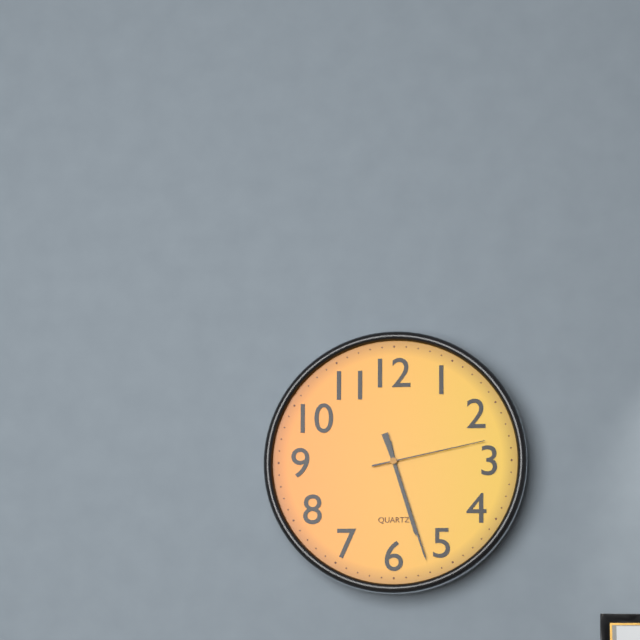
5:27:13
